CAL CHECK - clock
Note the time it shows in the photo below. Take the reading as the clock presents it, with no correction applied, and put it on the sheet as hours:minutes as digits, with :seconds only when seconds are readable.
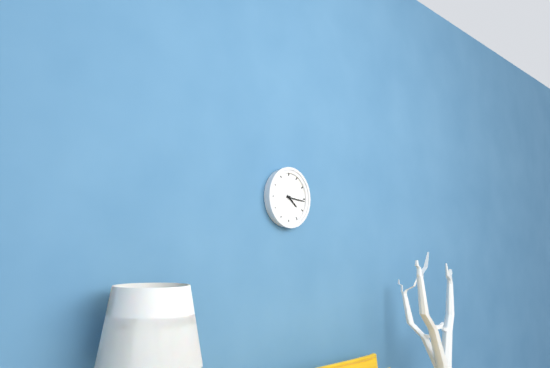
4:16
